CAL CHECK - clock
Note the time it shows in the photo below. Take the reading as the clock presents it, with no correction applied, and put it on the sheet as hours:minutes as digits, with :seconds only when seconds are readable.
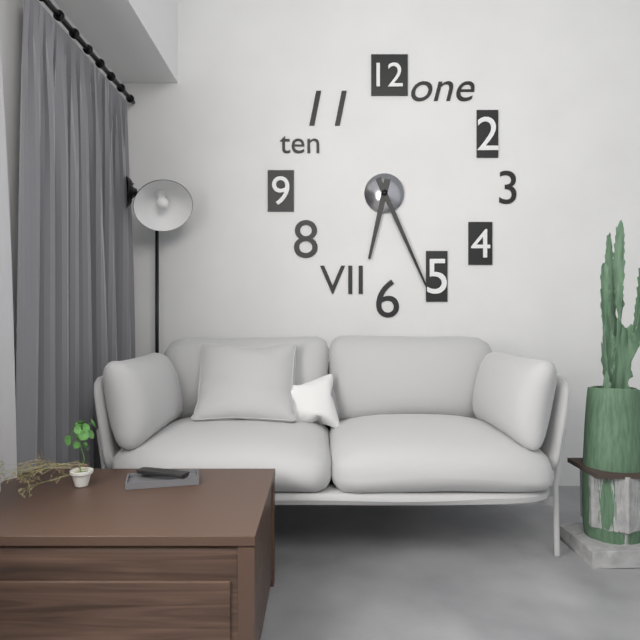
6:26
